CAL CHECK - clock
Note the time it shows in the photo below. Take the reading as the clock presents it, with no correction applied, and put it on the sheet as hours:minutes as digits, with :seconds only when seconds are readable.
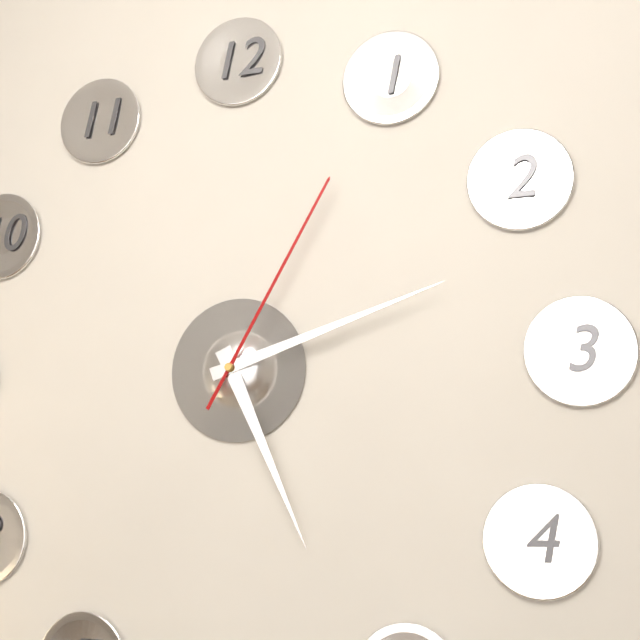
5:12:05
